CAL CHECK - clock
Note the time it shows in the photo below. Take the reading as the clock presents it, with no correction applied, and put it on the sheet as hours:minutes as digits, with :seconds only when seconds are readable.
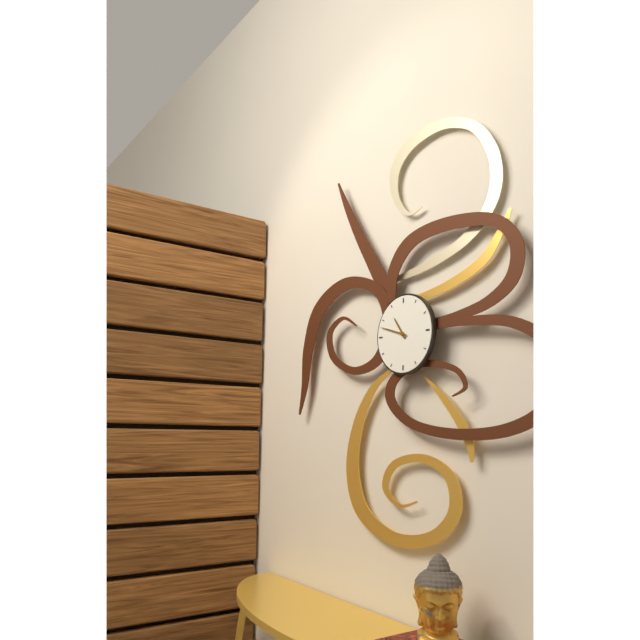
10:48
